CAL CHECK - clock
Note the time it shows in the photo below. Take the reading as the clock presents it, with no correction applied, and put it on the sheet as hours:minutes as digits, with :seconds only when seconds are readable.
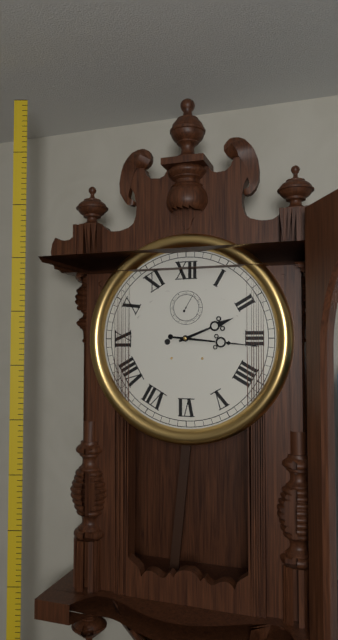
2:16
